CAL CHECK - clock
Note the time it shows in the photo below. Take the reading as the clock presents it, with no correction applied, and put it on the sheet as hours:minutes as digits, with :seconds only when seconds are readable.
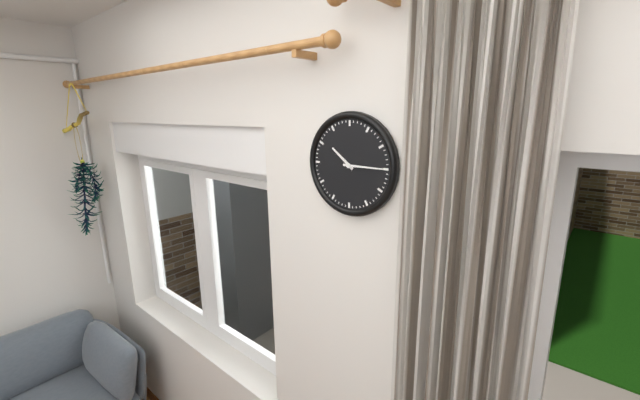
10:15
